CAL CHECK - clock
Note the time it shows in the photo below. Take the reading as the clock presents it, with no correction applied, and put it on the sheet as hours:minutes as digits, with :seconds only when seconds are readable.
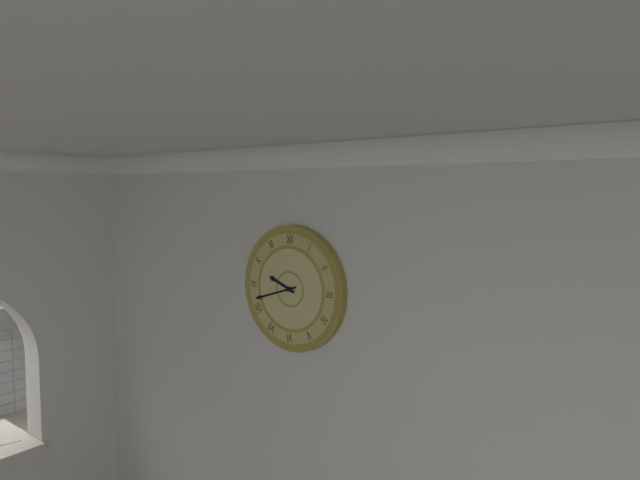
9:42
